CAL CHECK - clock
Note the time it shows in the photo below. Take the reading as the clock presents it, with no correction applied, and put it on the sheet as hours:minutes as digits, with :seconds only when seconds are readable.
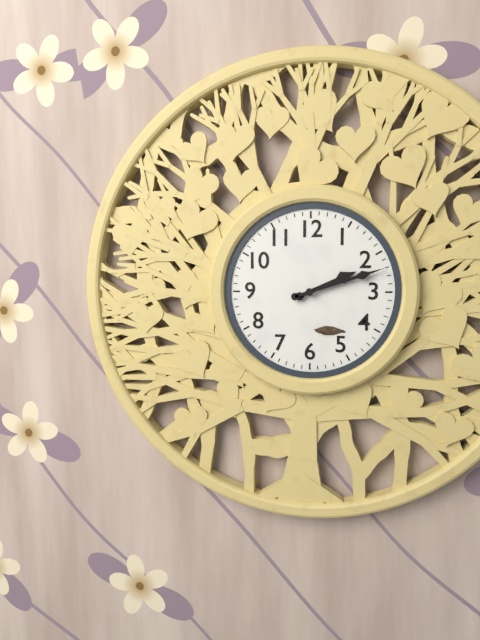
2:12
